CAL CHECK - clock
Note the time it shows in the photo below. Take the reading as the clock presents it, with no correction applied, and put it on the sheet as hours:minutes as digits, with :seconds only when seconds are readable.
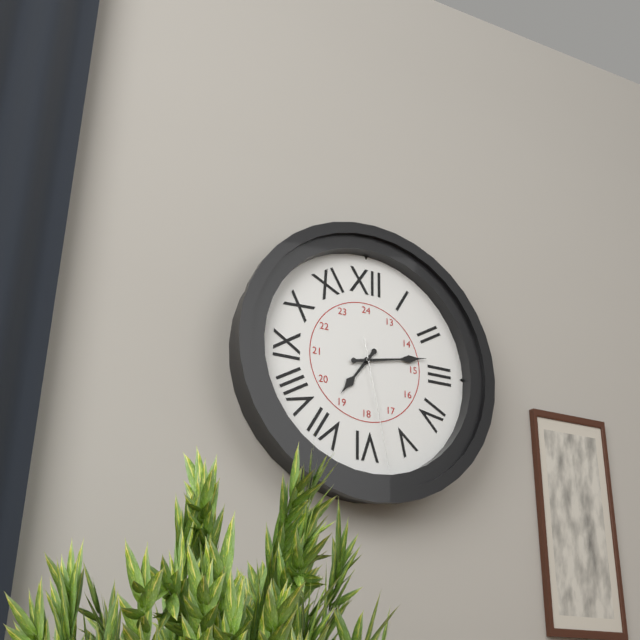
7:13:28
